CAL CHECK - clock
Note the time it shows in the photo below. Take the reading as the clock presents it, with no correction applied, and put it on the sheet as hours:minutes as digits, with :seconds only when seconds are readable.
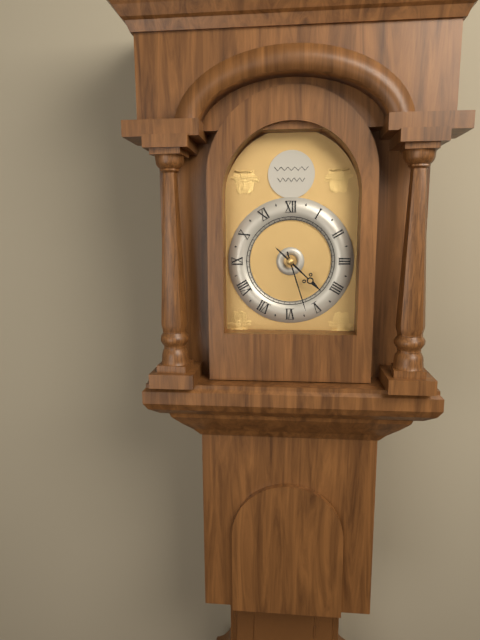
4:27
